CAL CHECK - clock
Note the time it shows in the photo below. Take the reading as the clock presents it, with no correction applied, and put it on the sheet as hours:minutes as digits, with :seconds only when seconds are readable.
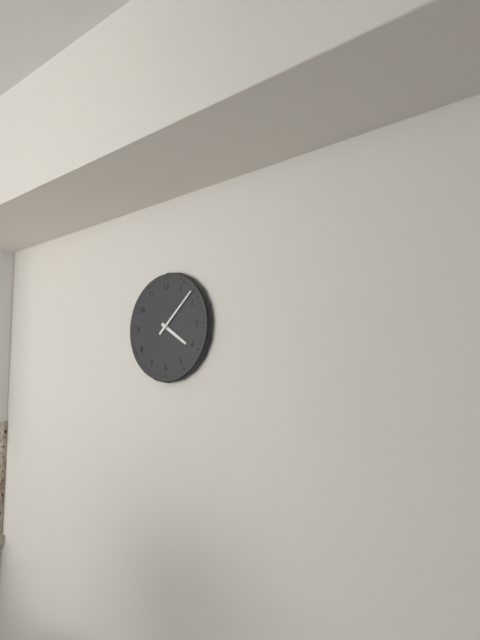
4:08
